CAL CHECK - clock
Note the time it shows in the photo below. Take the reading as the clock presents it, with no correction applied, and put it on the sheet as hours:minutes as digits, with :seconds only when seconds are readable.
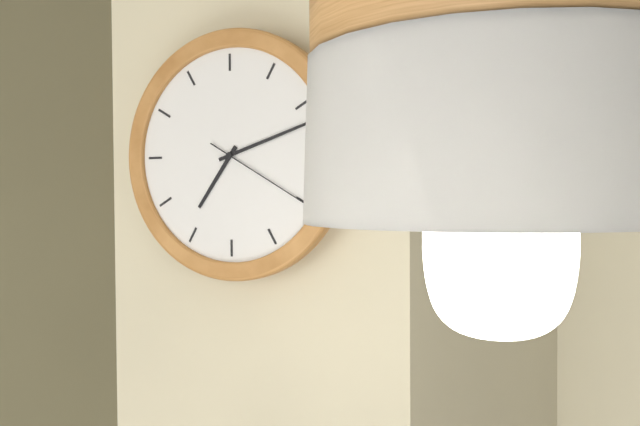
7:12:20
